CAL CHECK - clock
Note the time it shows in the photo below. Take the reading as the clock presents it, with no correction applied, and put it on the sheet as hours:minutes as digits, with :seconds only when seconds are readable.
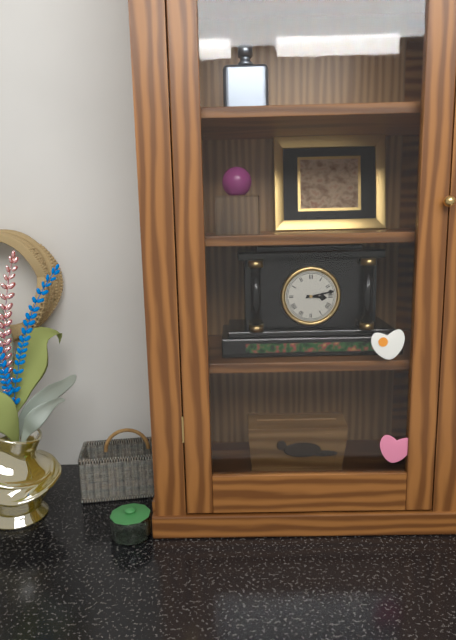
3:13
